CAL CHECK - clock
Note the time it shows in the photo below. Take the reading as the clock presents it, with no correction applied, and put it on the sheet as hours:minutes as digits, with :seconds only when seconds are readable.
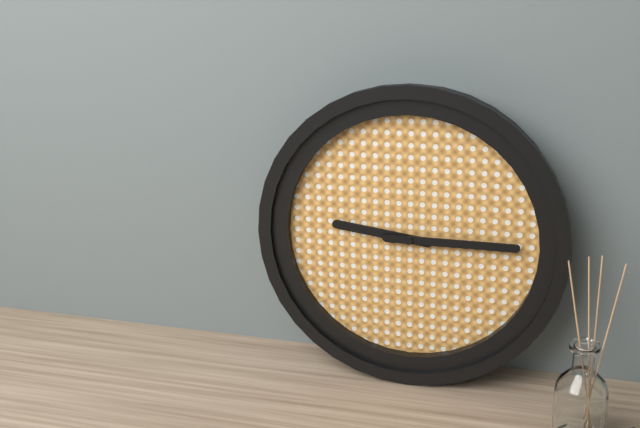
9:15
